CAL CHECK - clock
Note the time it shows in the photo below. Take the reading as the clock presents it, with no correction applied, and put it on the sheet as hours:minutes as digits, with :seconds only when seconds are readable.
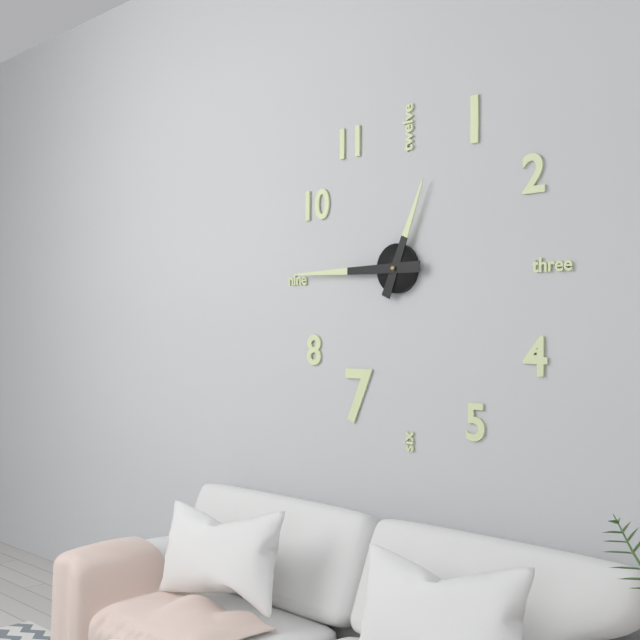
12:45
